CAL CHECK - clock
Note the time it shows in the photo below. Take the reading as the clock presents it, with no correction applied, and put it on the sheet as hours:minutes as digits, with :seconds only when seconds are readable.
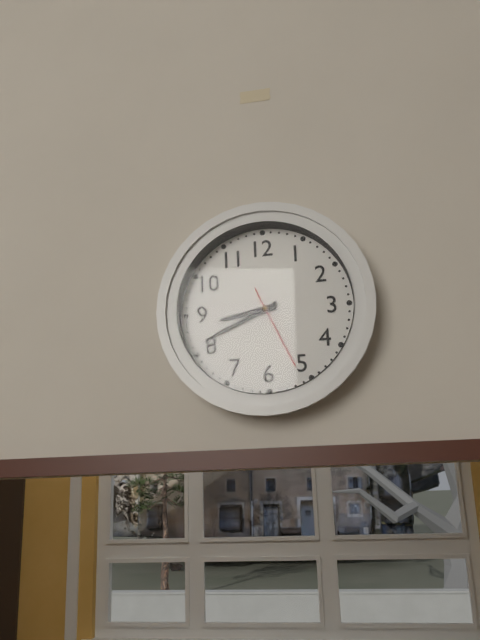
8:41:26
